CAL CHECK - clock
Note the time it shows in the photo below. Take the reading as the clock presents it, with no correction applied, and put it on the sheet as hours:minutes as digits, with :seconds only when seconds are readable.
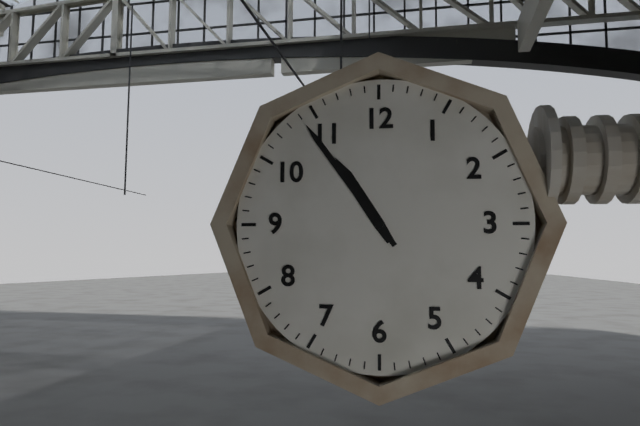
10:54
